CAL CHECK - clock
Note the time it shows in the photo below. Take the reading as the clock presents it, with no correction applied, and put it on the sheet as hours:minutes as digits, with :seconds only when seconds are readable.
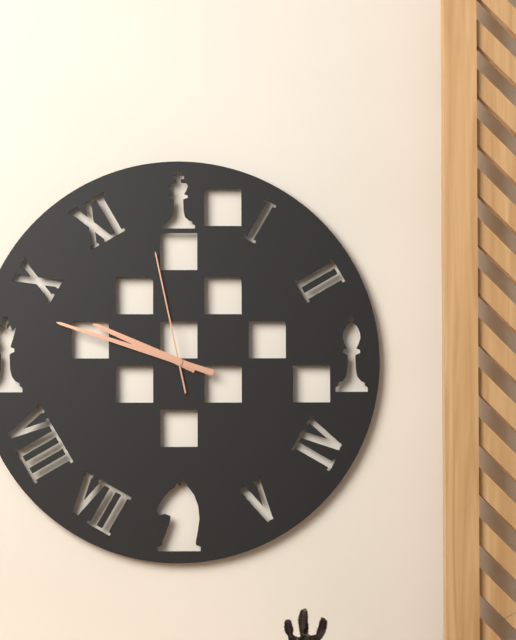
9:48:58
